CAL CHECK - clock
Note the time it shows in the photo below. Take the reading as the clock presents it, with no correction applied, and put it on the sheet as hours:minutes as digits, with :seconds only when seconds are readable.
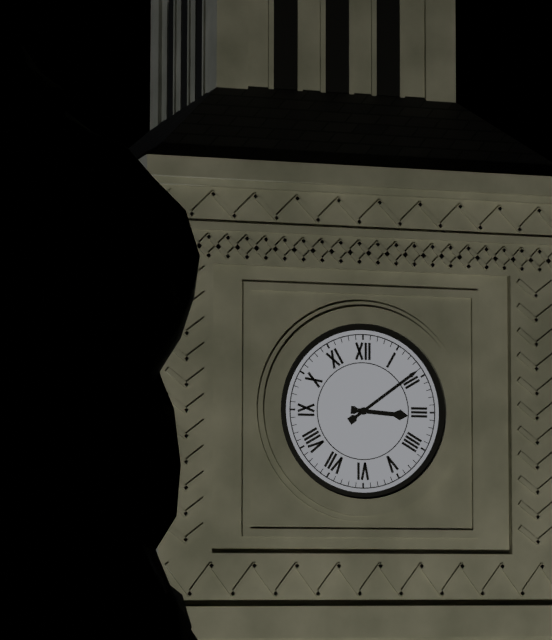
3:09
